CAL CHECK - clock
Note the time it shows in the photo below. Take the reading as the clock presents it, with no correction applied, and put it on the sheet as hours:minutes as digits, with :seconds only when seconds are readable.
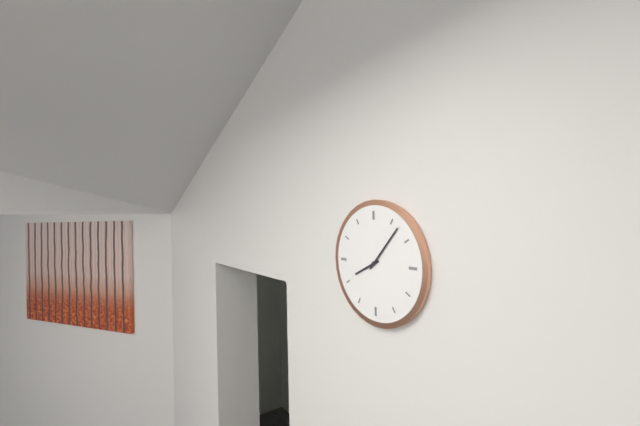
8:07
